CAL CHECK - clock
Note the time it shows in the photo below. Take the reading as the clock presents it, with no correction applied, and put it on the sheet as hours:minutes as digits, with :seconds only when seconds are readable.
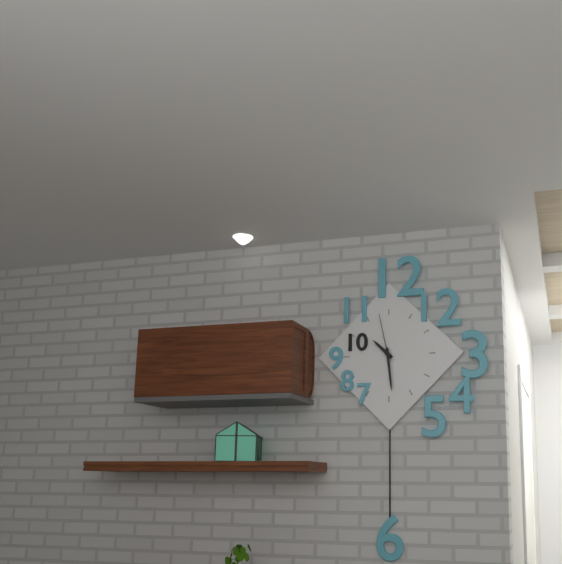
10:29:58
